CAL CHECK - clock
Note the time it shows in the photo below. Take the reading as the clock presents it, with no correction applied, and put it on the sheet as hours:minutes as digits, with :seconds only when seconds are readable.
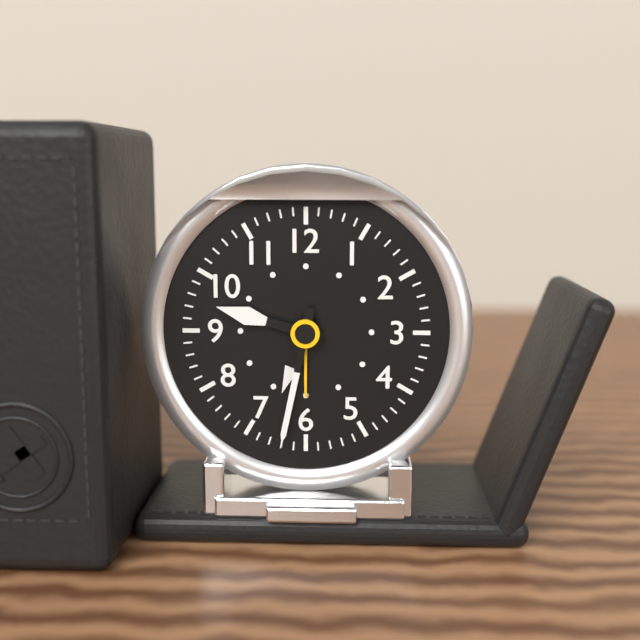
9:32
